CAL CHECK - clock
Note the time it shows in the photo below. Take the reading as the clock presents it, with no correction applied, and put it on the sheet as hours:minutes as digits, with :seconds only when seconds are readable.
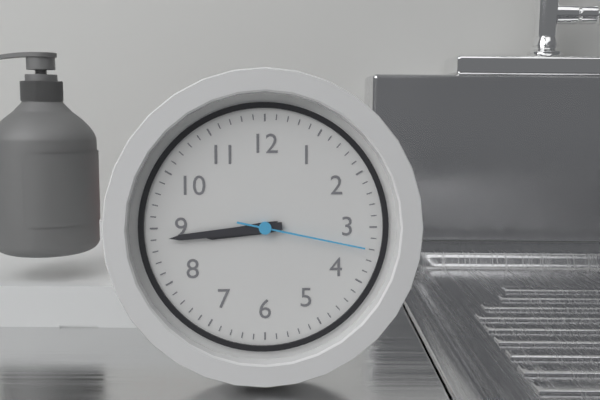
8:44:17
